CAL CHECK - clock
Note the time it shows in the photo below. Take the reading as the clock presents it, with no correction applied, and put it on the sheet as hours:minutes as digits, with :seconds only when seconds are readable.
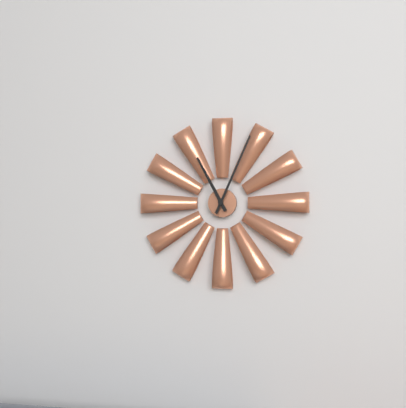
11:04
